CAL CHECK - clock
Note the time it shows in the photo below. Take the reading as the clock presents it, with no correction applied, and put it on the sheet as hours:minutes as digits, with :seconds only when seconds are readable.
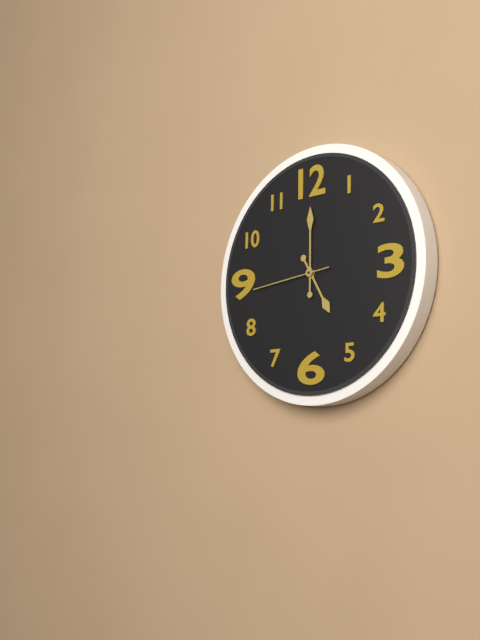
5:00:44
